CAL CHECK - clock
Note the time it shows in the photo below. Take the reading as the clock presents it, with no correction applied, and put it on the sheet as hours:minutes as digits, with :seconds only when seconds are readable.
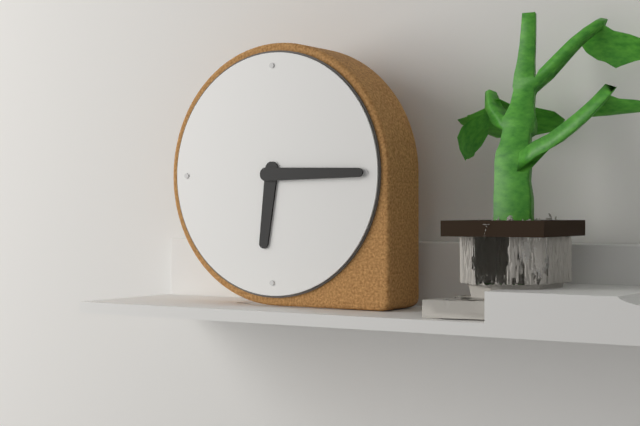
6:15
